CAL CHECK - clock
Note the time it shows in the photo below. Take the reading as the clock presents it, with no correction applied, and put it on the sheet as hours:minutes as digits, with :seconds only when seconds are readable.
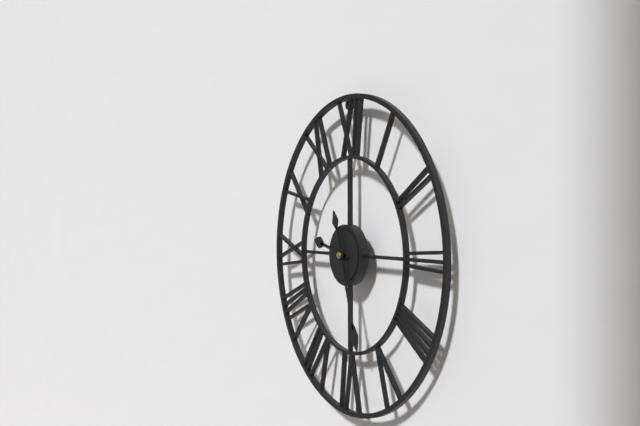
9:27
